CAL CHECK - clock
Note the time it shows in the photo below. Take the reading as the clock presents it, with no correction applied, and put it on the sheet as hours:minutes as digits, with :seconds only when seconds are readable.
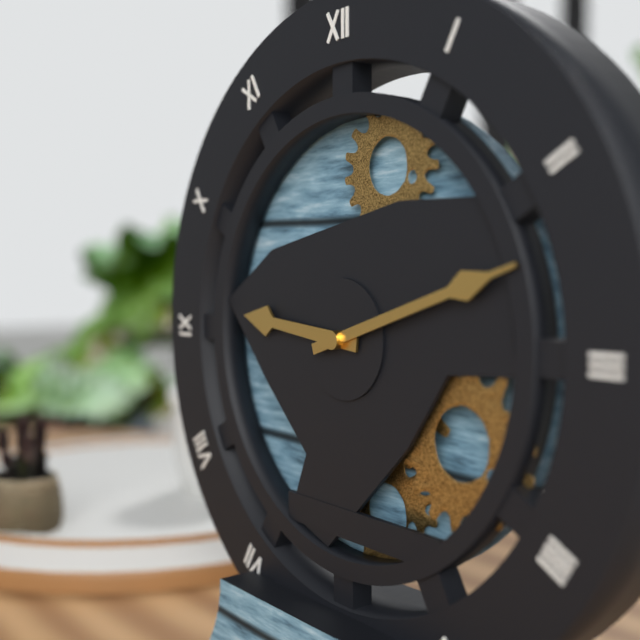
9:12
